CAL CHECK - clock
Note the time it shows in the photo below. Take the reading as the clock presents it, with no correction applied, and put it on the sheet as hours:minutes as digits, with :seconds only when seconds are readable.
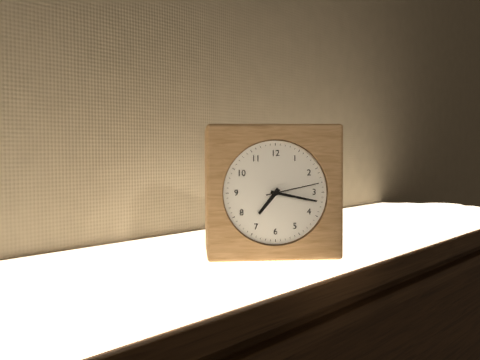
7:17:13
